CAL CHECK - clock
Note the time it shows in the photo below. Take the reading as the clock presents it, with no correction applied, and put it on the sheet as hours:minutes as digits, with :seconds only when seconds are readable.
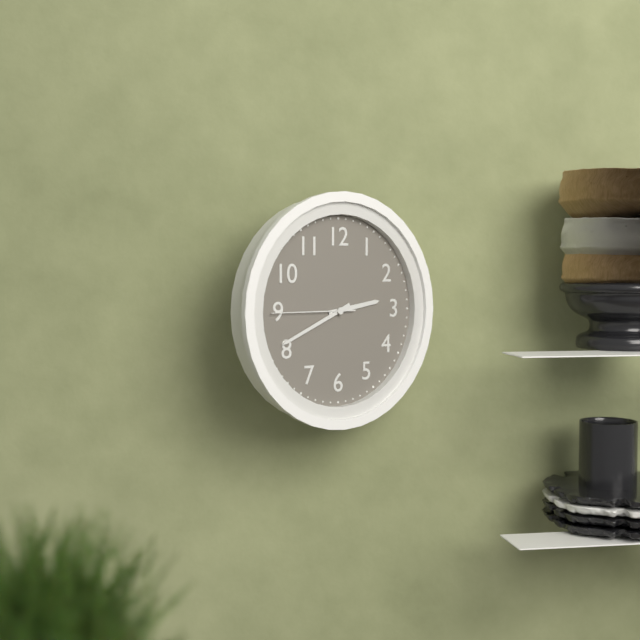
2:41:45
